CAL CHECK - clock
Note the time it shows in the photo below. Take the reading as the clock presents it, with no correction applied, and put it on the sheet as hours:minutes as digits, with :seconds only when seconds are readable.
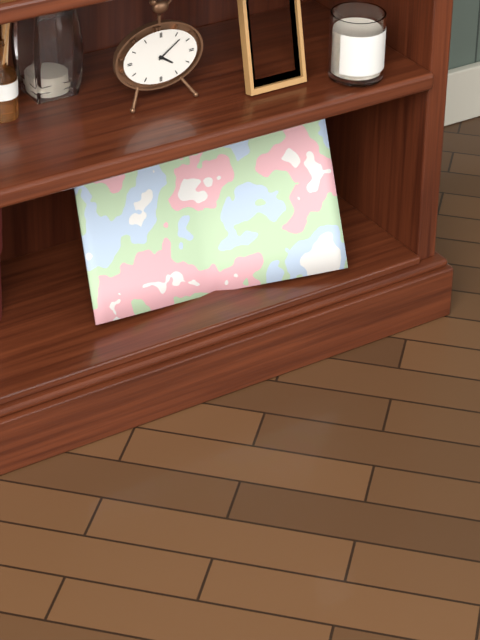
4:09
